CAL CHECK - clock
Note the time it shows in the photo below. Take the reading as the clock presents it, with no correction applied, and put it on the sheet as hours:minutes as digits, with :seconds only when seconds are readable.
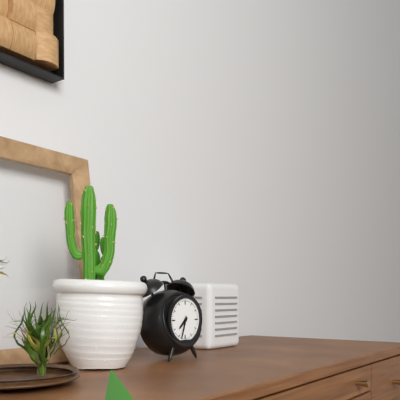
7:33
